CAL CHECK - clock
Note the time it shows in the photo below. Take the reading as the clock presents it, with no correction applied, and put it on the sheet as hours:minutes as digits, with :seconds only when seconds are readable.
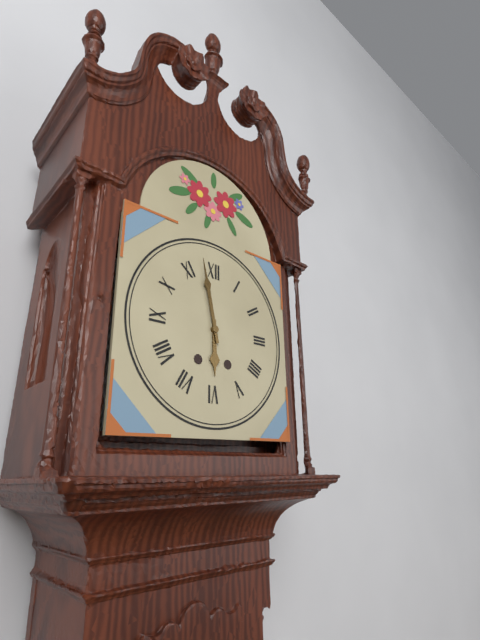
5:58
